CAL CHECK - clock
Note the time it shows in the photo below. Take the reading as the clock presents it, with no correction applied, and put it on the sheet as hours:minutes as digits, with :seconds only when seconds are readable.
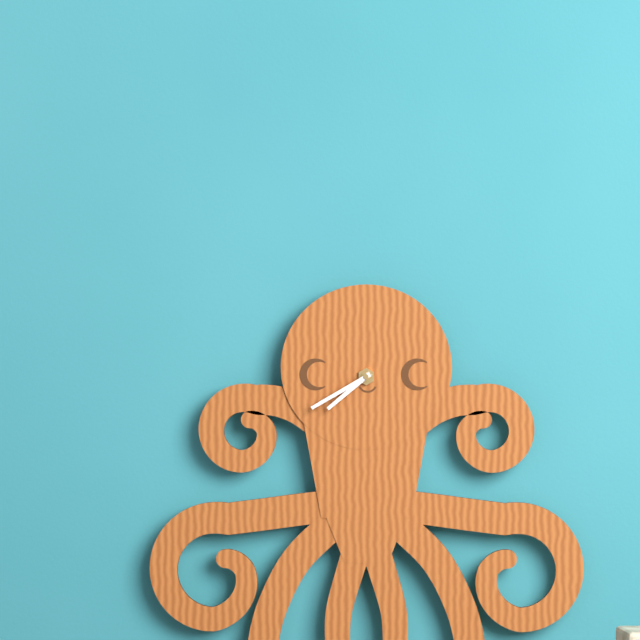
7:40
